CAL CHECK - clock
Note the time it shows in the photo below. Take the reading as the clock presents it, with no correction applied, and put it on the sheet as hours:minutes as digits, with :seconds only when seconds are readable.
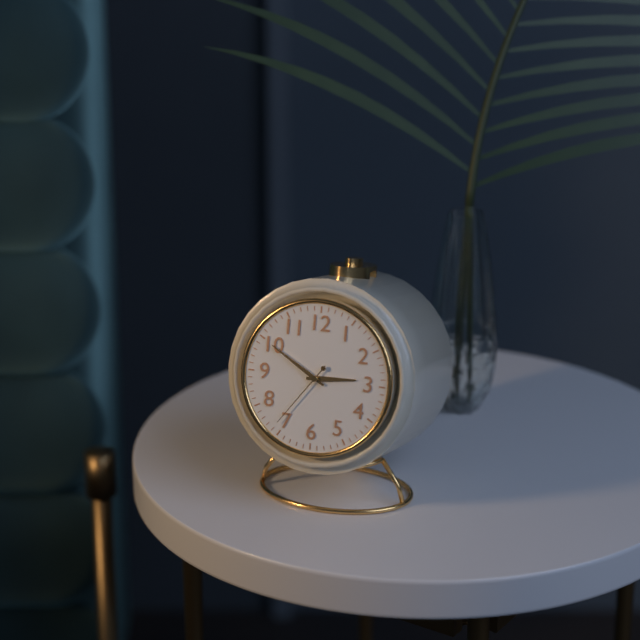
2:50:36
